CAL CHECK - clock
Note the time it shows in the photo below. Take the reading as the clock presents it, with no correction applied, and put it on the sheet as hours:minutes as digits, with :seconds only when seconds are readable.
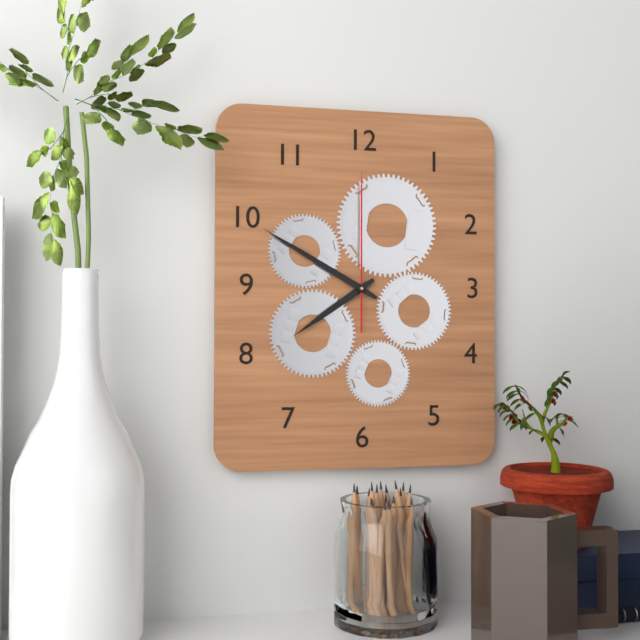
7:50:00
